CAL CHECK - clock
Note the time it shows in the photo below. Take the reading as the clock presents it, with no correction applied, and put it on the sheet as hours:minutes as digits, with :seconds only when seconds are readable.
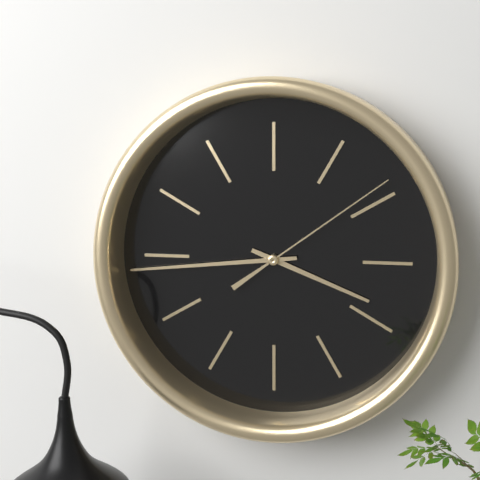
3:44:09
